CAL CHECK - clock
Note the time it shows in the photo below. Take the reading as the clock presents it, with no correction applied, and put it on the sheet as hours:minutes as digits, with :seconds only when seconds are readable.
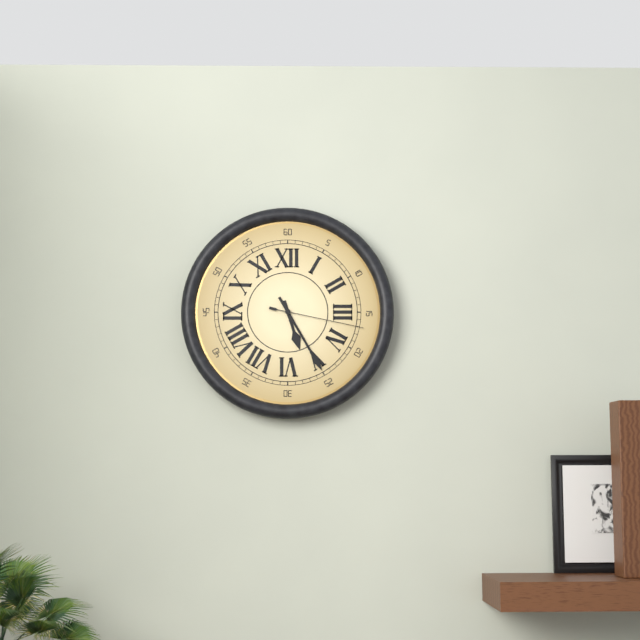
5:25:17
